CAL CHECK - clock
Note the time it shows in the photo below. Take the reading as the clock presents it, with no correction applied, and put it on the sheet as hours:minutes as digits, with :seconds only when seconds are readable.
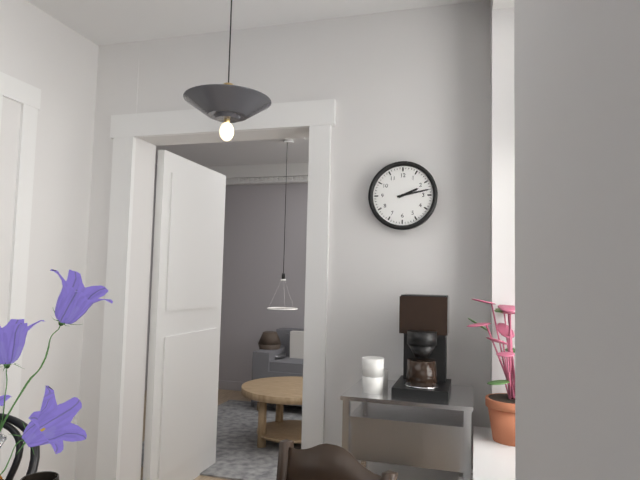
2:13
